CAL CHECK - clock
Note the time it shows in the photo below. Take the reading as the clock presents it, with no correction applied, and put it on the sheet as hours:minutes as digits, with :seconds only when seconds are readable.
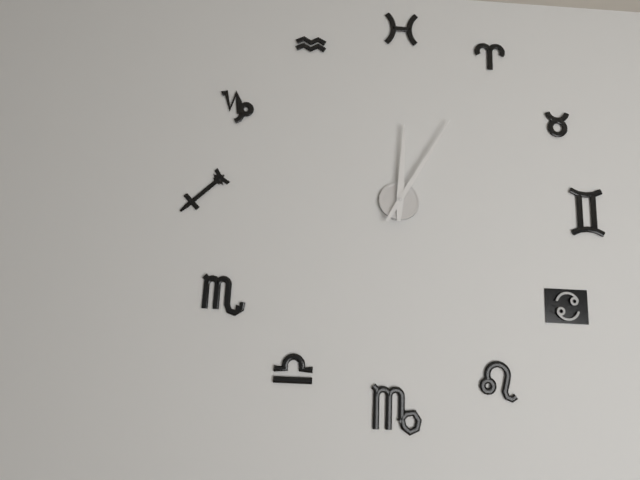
12:05
